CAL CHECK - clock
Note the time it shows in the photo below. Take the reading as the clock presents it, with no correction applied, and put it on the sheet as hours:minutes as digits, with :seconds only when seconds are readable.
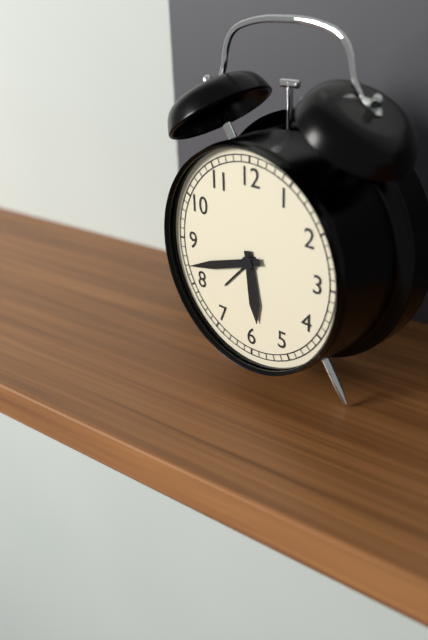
5:42
